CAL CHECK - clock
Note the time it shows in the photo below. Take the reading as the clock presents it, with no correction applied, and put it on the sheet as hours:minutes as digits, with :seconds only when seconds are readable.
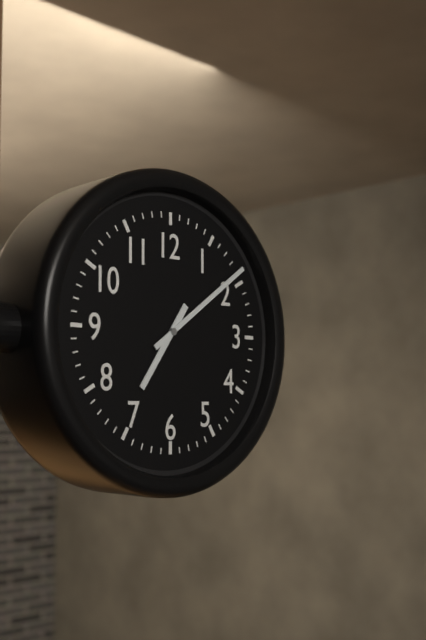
7:09
